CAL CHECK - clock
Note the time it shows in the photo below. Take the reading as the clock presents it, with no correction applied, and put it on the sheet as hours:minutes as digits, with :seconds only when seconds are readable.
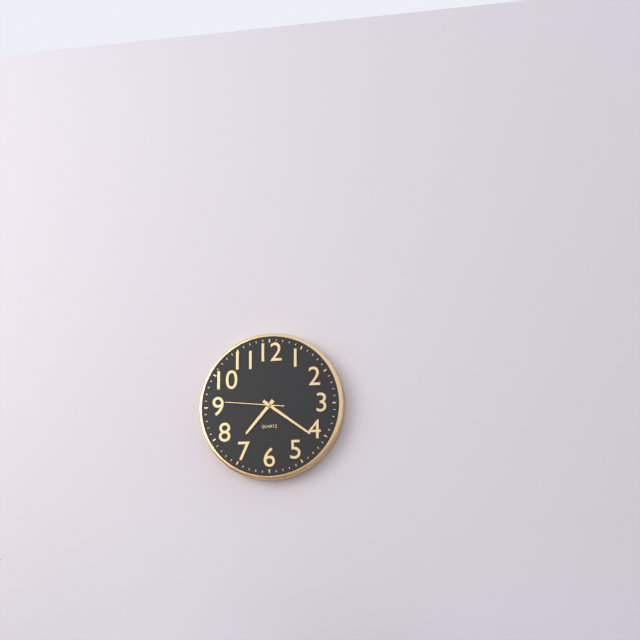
7:21:46
